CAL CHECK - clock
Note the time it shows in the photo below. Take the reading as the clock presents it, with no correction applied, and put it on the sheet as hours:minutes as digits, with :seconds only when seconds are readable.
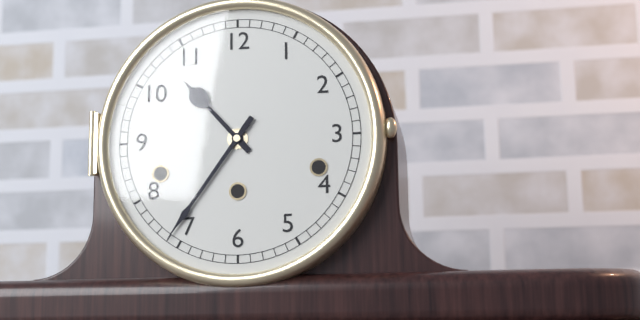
10:36
